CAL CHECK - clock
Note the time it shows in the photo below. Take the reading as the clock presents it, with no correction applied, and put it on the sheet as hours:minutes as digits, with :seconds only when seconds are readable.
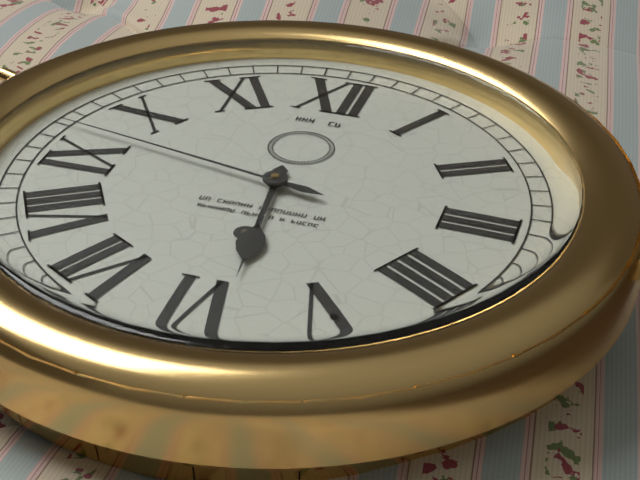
5:47
